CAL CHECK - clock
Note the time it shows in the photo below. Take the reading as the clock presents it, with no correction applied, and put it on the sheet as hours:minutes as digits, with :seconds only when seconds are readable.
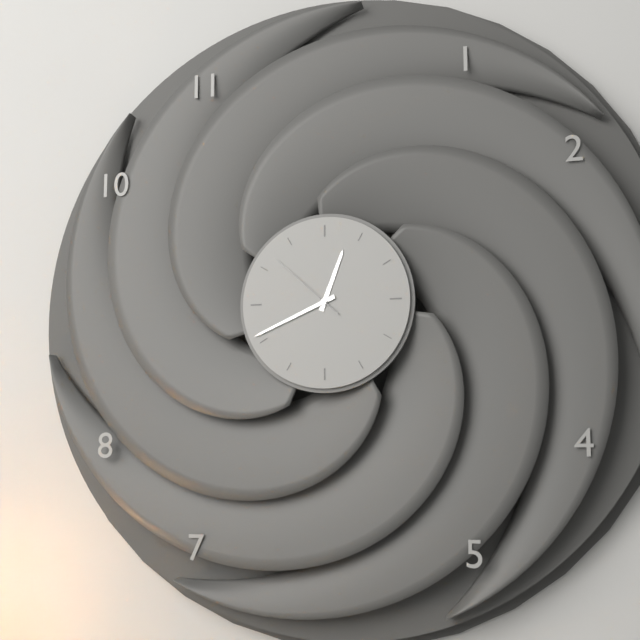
12:41:52
